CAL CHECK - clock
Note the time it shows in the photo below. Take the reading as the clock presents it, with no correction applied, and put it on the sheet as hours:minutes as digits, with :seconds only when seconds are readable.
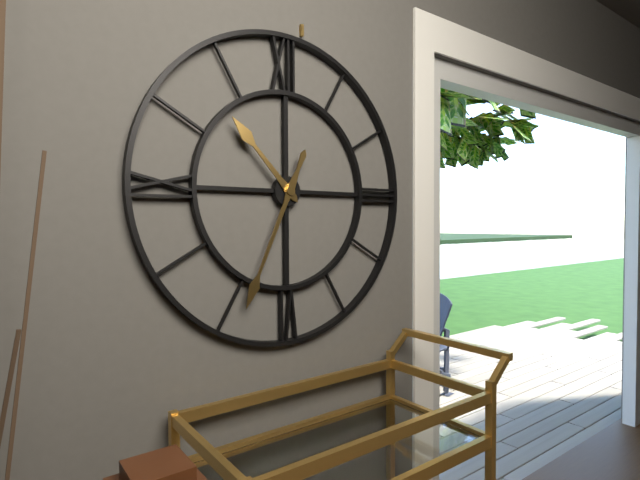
10:34
